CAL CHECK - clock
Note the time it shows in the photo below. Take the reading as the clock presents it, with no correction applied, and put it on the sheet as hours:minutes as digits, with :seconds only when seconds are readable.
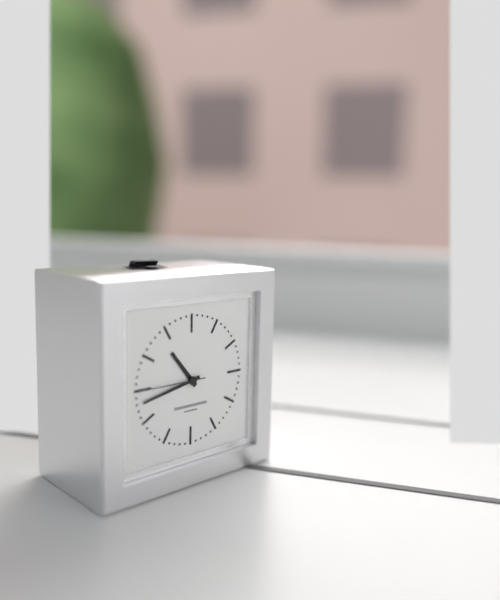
10:43:45
